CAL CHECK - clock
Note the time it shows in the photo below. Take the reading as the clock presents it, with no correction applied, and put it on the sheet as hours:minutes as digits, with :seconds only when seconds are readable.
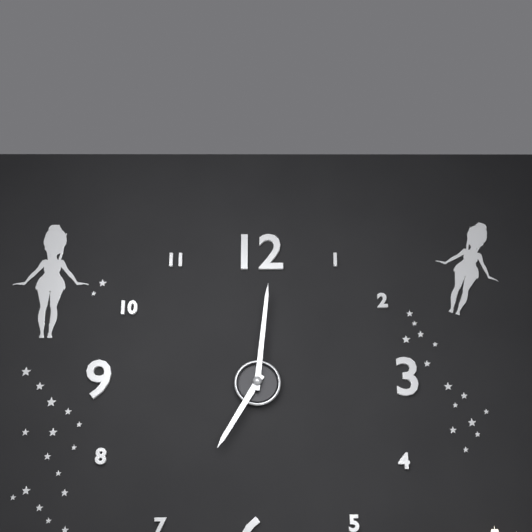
7:01
